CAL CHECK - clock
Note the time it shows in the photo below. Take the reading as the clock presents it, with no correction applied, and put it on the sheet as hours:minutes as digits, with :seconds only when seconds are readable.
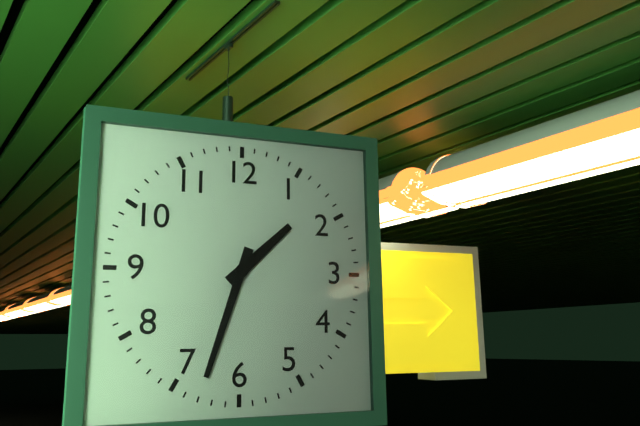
1:33
